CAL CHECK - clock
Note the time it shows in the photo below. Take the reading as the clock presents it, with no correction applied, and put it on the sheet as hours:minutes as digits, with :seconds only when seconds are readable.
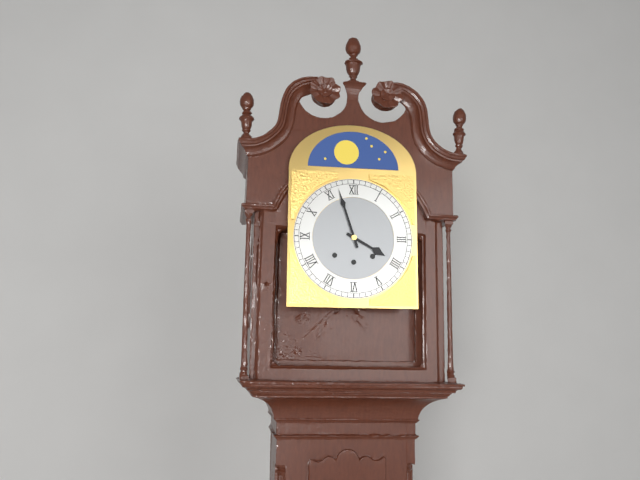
3:57
